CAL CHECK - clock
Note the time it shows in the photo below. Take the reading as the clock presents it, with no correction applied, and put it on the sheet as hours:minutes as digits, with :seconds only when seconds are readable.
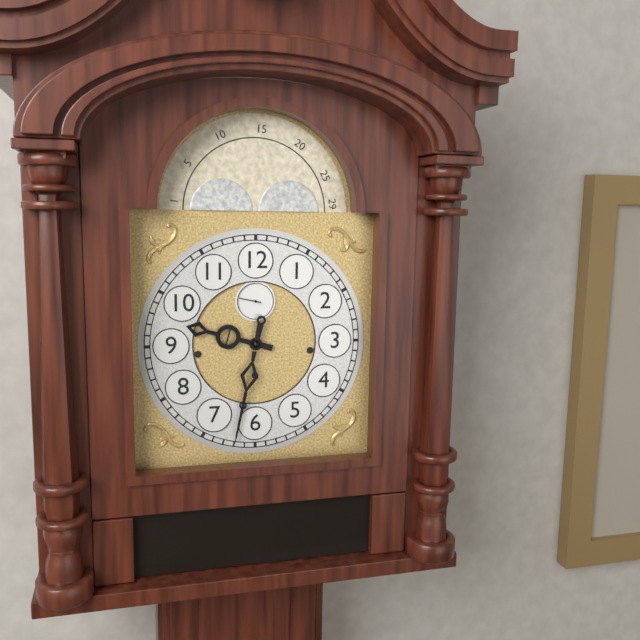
9:32
